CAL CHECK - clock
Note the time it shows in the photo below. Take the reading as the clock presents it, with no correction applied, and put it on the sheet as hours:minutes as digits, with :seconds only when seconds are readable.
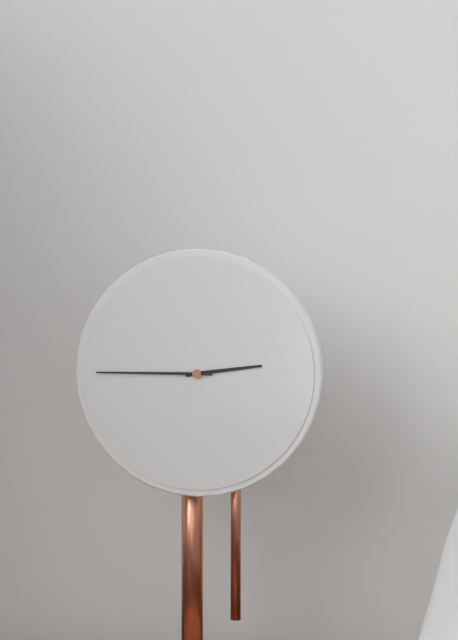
2:45
